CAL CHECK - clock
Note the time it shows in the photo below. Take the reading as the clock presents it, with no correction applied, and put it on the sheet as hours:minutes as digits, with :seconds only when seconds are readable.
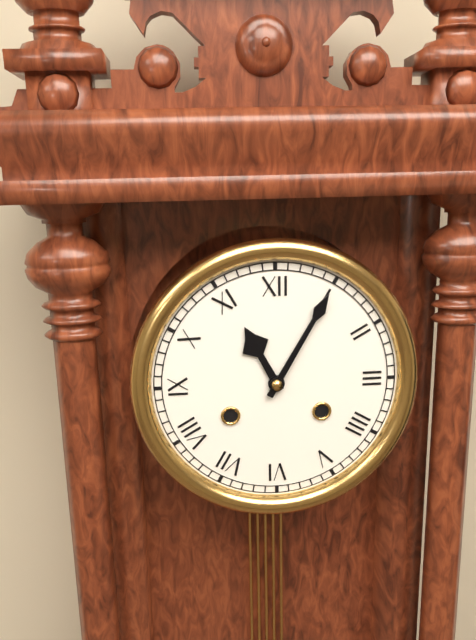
11:05
